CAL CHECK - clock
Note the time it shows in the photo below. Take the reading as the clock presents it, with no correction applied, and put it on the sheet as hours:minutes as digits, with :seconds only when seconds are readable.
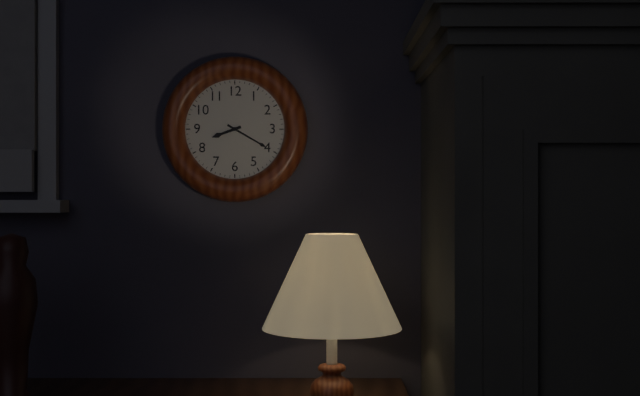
8:20
